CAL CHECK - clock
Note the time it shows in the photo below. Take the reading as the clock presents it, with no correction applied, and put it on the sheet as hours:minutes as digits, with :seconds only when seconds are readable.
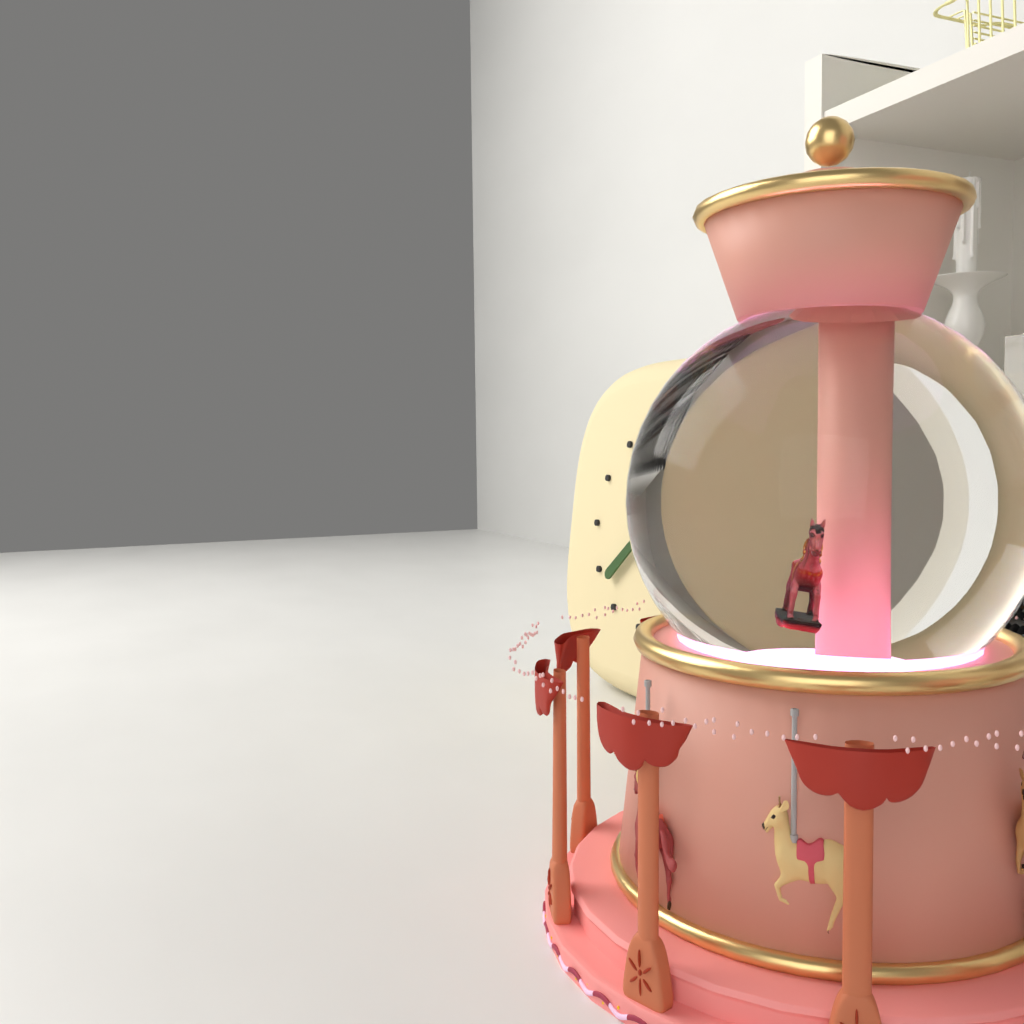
11:38
